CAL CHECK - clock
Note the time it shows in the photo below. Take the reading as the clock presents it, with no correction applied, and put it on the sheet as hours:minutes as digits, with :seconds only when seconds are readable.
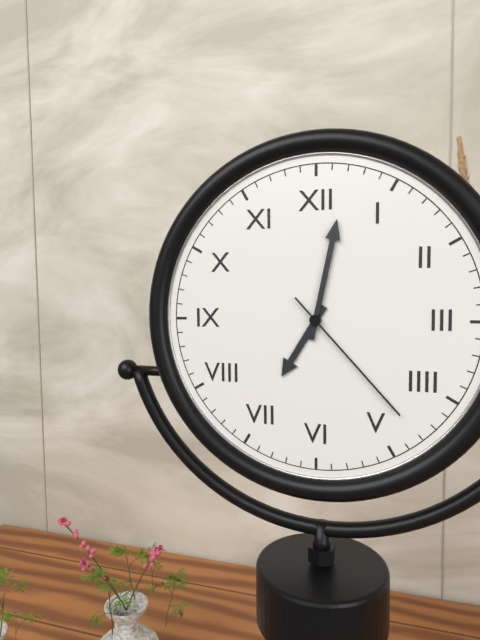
7:02:23
